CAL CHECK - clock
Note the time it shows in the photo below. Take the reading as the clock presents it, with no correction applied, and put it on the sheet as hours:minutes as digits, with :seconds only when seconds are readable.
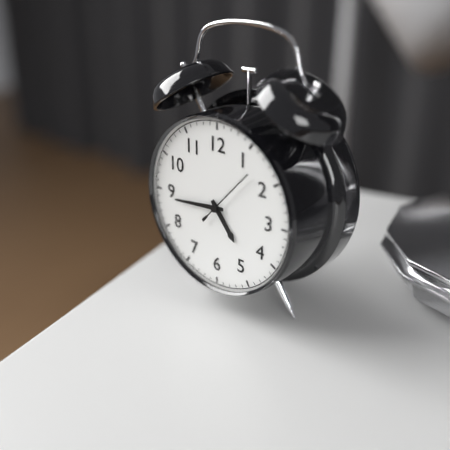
4:44:07
